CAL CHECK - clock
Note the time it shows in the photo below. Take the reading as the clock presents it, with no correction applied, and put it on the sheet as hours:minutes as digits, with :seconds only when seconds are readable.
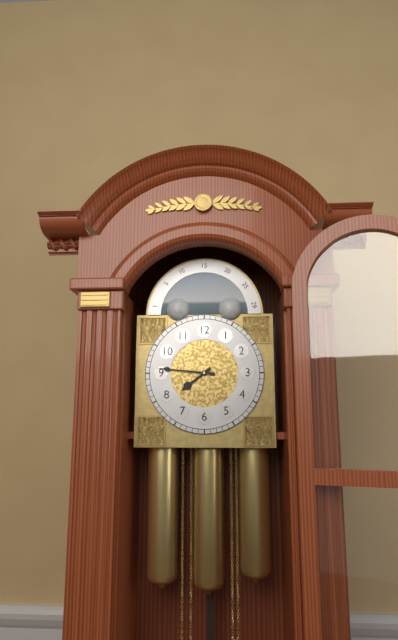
7:46
